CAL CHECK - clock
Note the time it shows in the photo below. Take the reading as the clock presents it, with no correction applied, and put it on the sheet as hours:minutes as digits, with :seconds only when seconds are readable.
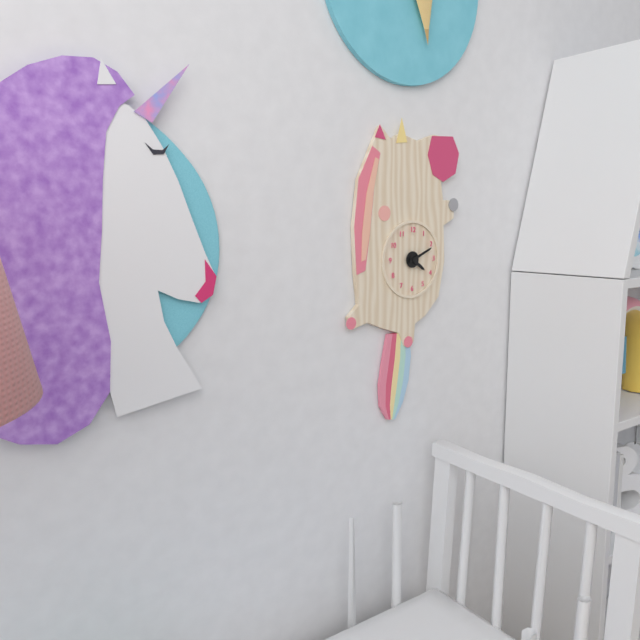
4:11
